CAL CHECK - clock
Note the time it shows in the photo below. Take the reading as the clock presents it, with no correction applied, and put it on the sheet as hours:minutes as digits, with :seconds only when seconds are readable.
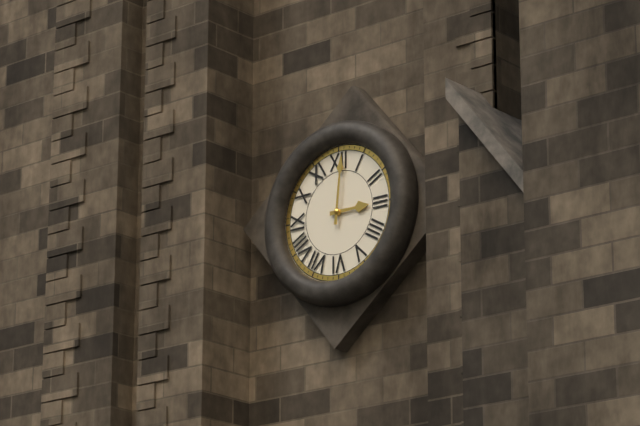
3:01
